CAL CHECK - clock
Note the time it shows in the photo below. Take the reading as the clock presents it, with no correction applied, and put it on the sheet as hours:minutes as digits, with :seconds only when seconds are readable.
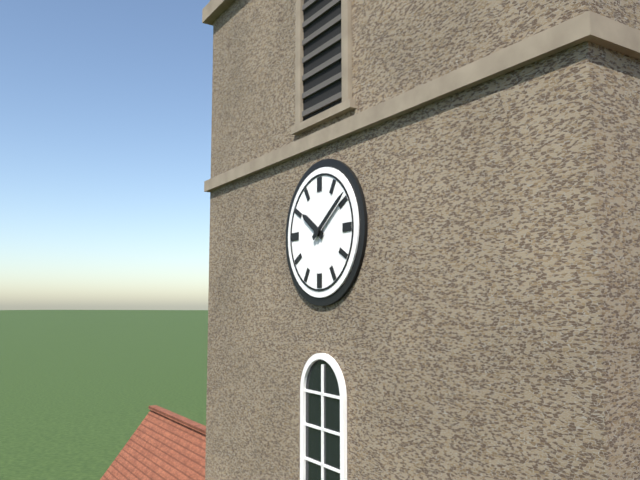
10:09
